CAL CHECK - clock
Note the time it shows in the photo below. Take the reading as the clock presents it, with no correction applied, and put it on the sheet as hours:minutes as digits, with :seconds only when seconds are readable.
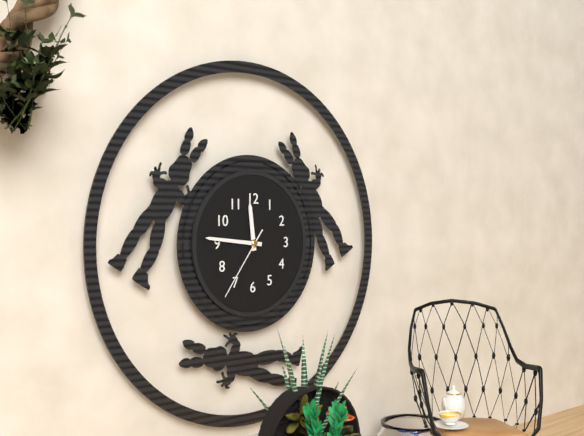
11:46:36
